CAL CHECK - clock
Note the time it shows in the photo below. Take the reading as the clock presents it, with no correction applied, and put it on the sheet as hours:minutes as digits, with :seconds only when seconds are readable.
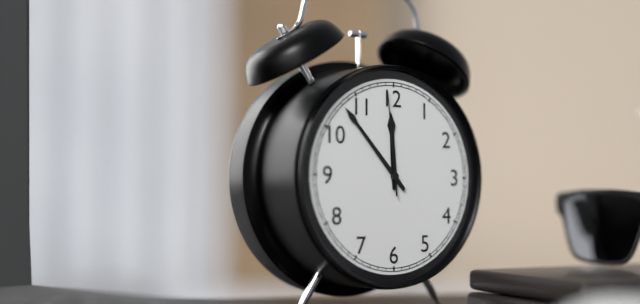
11:53:59
